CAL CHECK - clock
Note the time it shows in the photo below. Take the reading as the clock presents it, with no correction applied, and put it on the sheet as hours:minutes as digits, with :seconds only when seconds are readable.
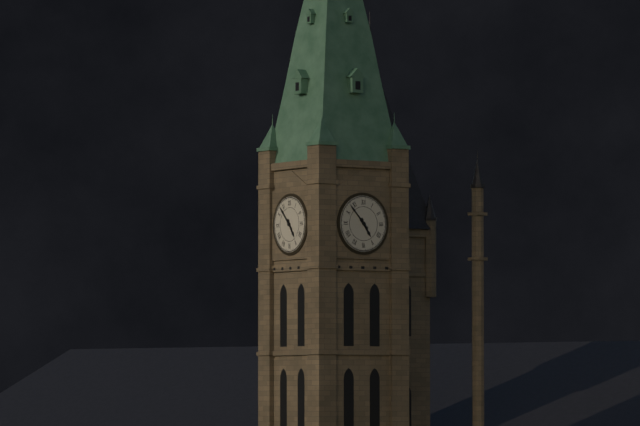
4:53
